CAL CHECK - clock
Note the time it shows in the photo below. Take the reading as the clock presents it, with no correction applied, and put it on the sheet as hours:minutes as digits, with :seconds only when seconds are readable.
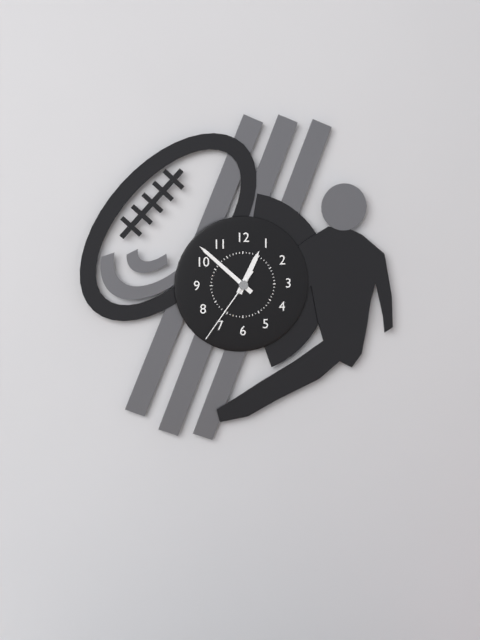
12:52:36
